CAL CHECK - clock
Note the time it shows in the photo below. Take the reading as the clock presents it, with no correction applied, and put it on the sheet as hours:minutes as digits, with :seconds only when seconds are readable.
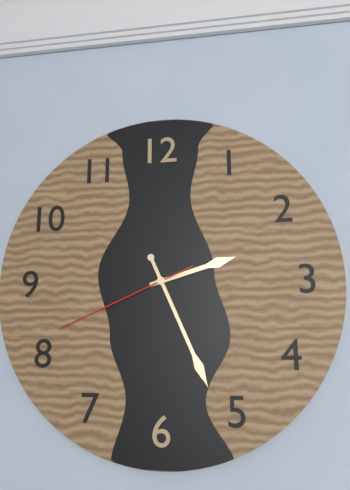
2:26:41
